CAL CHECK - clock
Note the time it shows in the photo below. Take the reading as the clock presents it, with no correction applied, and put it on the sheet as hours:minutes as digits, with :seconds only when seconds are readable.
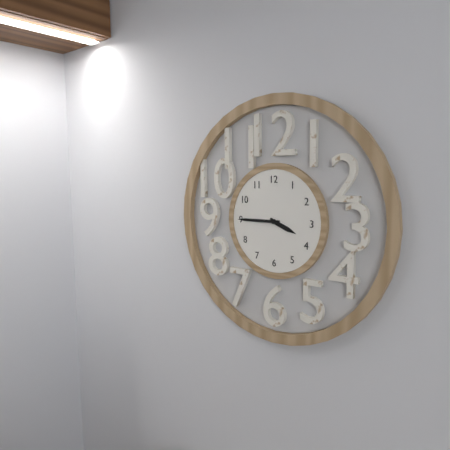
3:45
